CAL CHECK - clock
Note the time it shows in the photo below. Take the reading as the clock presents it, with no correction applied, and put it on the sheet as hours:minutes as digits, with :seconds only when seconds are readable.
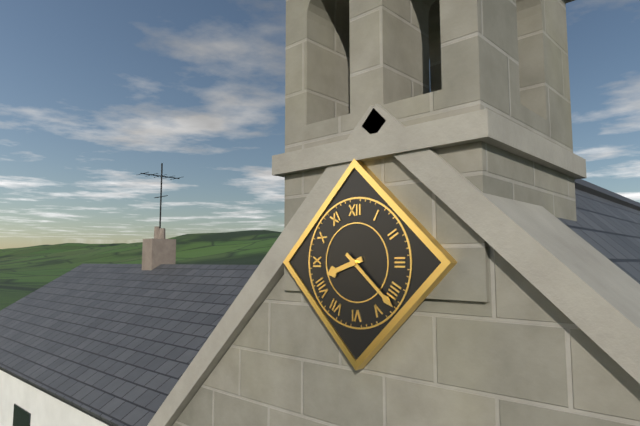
8:22
